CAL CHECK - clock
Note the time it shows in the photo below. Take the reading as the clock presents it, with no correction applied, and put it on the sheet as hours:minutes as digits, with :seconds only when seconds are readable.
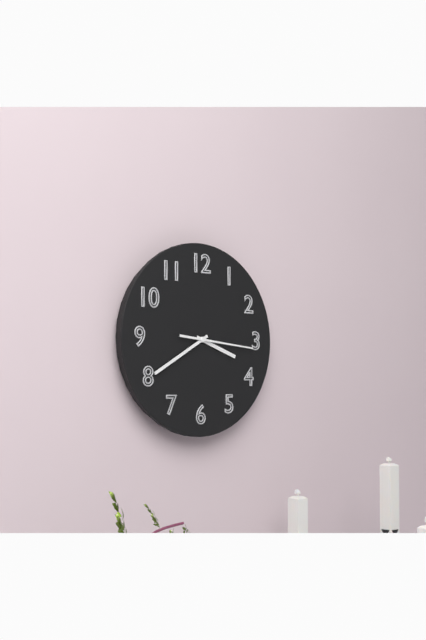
3:40:16
